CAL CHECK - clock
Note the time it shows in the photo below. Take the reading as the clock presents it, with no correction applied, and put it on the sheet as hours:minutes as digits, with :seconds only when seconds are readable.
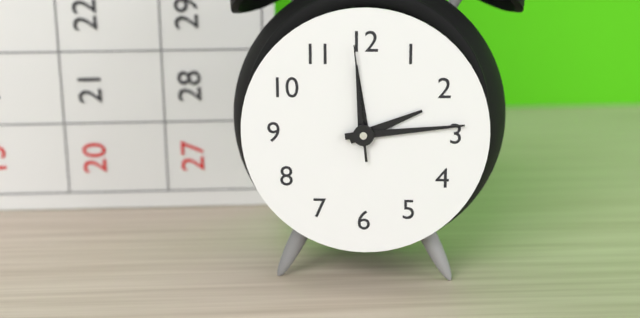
2:14:59
